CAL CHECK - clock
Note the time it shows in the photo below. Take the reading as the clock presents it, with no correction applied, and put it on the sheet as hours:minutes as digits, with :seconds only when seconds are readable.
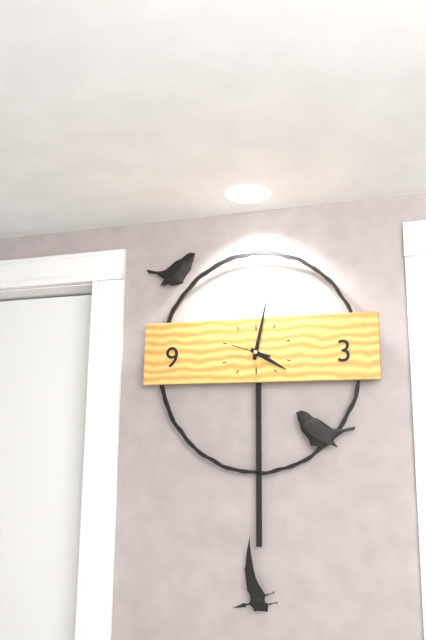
4:02
